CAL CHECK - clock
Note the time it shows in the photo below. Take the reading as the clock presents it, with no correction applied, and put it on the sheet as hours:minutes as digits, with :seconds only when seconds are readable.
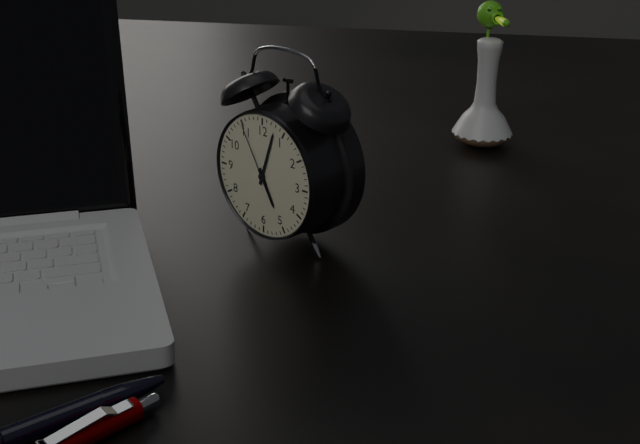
5:03:55
